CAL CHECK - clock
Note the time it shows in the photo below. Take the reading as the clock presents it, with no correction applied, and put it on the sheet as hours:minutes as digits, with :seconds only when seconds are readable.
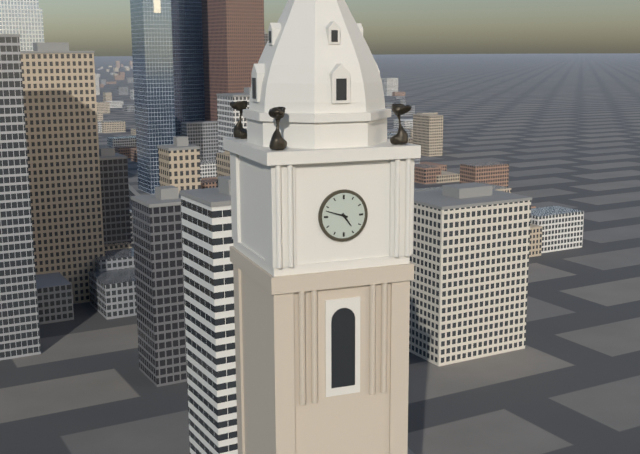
4:48
